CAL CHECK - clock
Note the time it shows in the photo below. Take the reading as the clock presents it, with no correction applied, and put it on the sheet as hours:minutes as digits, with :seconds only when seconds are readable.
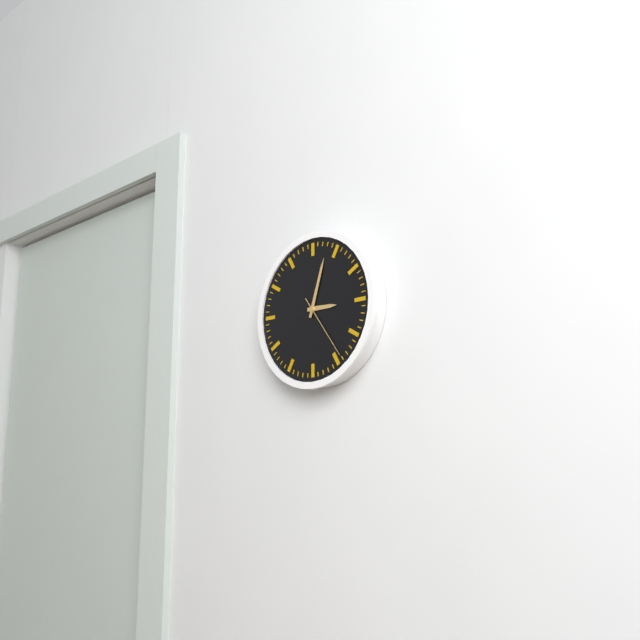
3:03:24
